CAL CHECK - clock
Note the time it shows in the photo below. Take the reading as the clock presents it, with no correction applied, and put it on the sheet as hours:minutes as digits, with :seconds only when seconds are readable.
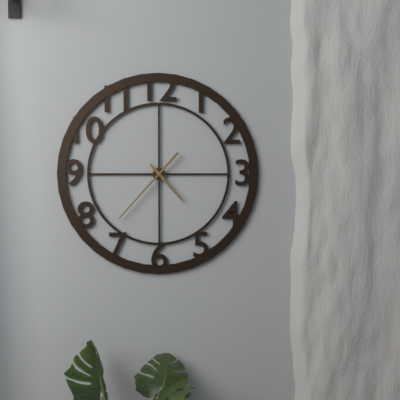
4:37
